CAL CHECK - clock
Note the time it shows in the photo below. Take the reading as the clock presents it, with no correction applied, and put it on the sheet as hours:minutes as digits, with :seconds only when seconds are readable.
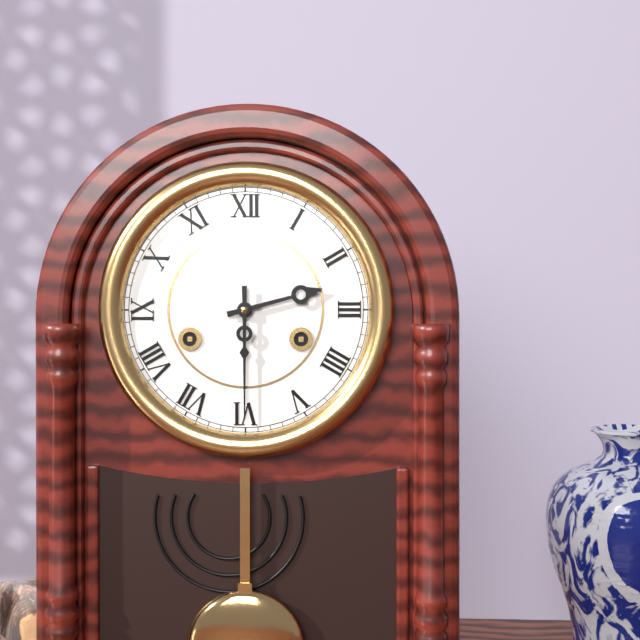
2:30
